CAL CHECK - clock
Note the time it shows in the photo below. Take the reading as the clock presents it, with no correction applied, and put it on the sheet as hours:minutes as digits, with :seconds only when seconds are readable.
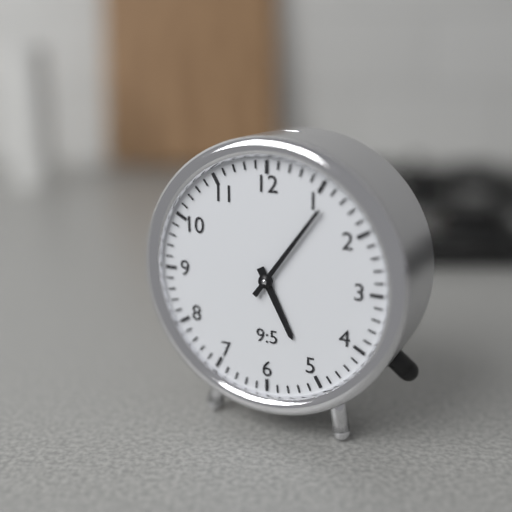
5:06
